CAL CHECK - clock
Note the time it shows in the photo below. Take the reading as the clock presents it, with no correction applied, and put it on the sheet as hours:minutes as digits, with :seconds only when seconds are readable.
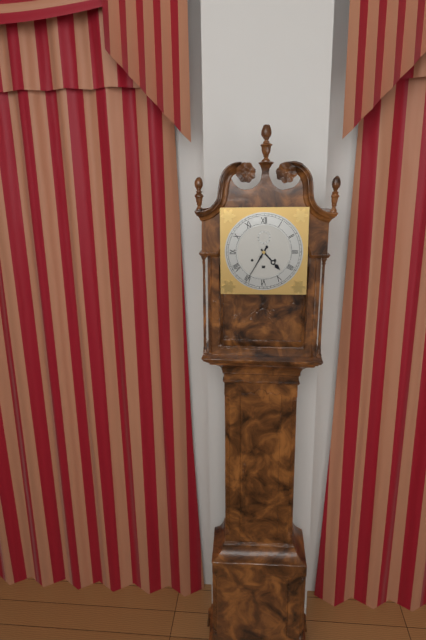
4:35
